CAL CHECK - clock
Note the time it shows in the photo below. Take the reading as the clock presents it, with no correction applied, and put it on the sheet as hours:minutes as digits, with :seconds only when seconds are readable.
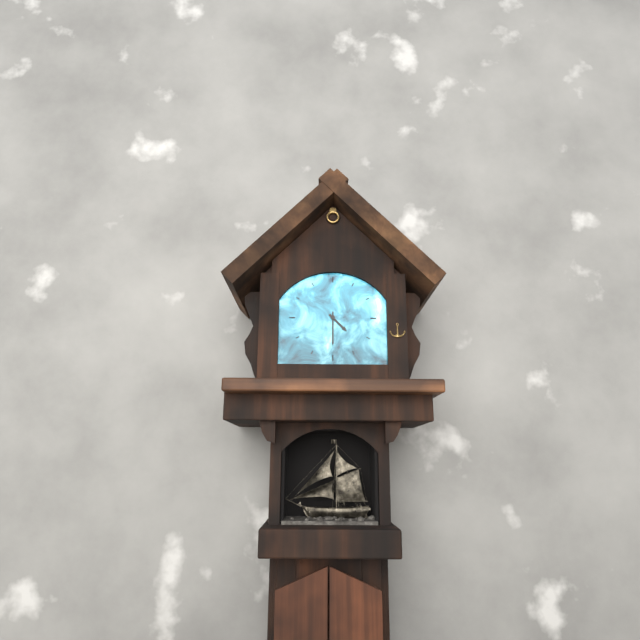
4:30
